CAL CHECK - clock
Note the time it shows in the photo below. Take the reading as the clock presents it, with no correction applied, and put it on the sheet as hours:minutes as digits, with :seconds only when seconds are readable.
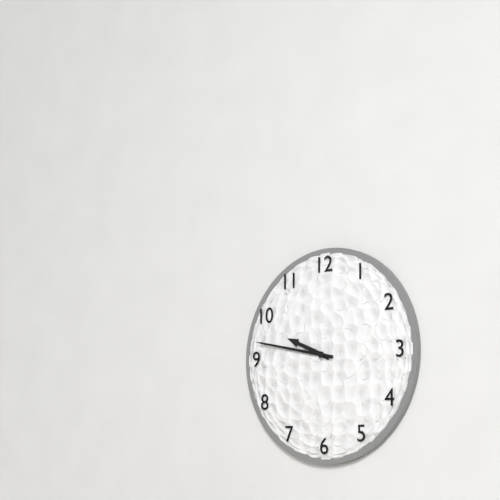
9:47
